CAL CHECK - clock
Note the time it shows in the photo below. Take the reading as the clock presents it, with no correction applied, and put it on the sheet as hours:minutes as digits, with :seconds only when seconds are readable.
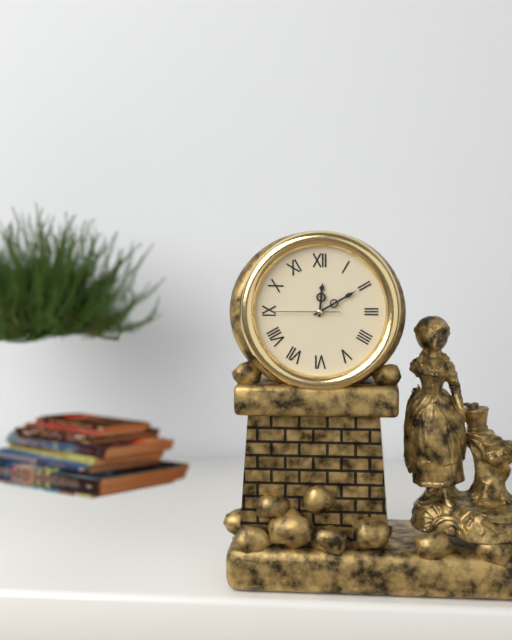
12:10:45
